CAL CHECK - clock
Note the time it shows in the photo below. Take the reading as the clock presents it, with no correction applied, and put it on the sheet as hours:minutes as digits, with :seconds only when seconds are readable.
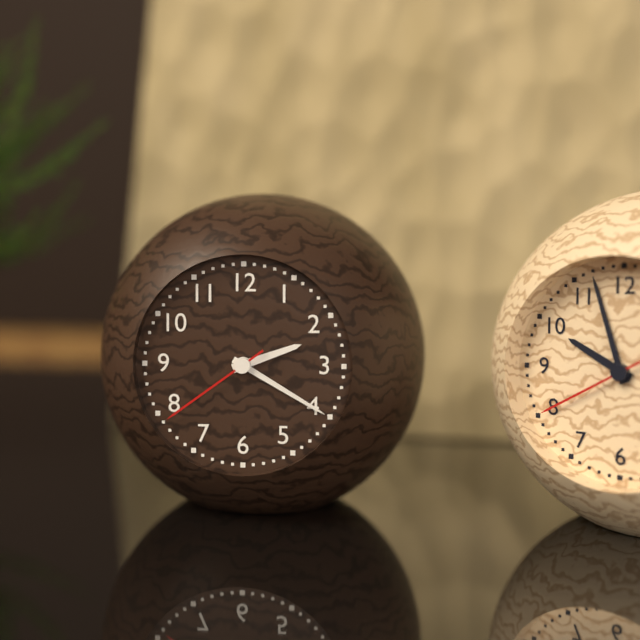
2:20:39
